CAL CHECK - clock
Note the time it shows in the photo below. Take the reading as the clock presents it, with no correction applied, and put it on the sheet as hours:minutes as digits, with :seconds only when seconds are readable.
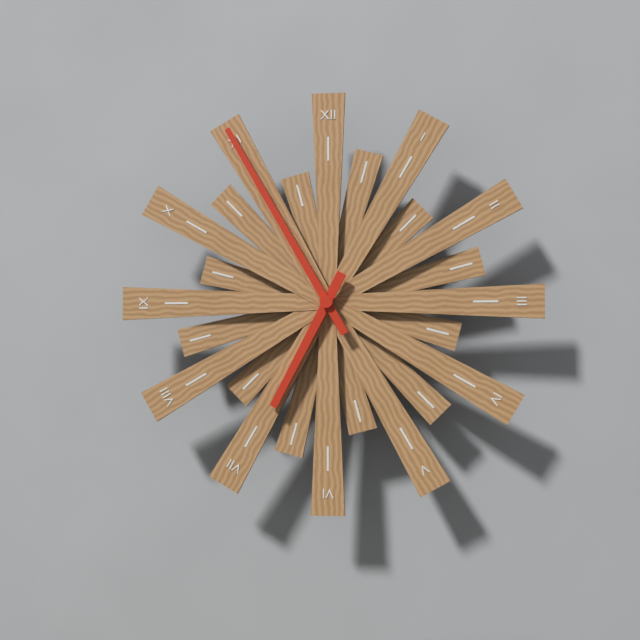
6:55
